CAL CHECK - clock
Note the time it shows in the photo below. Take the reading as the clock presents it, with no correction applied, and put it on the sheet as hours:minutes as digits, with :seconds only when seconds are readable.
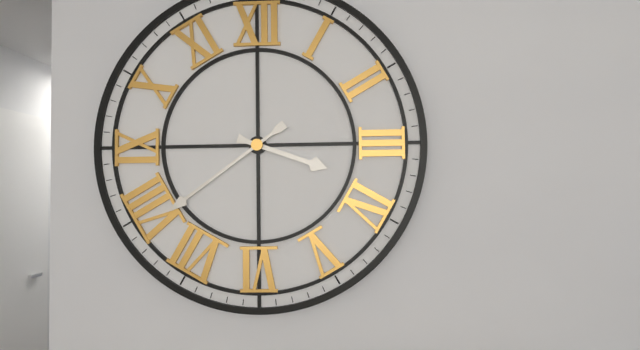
3:39
